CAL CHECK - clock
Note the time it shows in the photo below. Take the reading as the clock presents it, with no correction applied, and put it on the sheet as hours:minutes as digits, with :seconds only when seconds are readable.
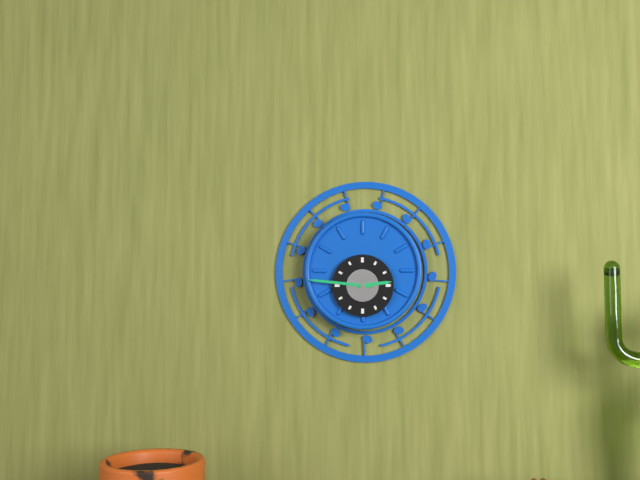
2:46
